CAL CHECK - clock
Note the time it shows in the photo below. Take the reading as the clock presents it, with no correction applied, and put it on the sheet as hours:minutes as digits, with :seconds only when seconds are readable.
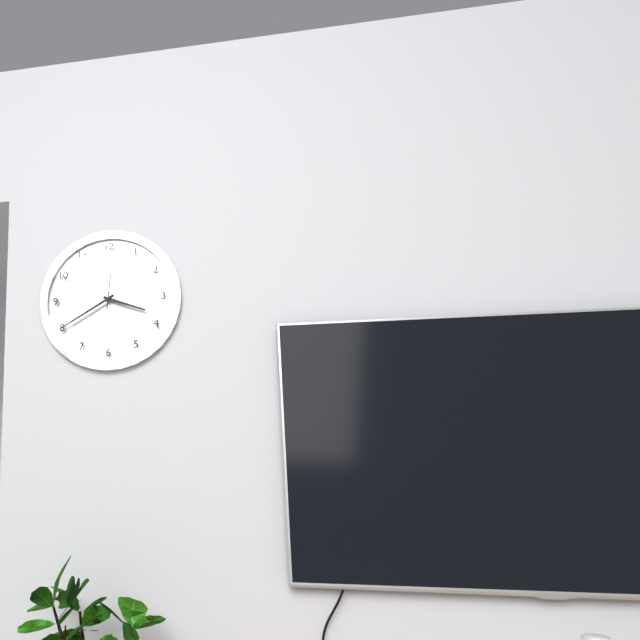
3:40:01
